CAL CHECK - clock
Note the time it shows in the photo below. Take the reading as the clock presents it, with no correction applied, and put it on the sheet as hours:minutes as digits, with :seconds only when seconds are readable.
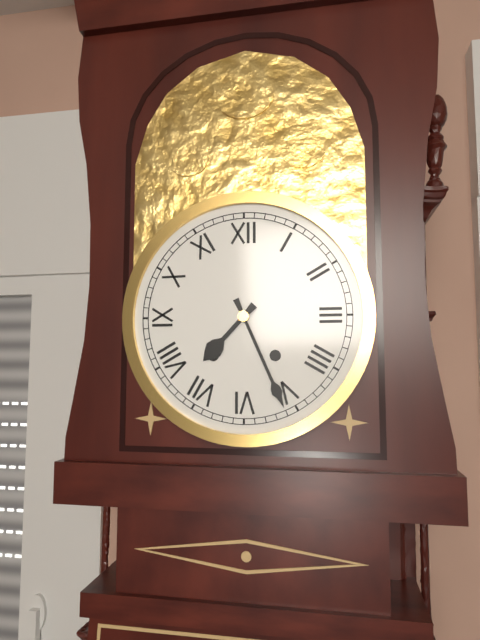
7:26
